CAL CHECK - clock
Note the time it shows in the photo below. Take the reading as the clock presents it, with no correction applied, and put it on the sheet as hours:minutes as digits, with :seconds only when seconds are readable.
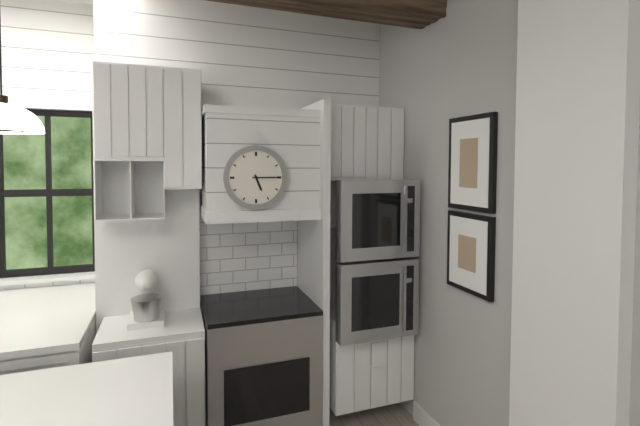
5:15
